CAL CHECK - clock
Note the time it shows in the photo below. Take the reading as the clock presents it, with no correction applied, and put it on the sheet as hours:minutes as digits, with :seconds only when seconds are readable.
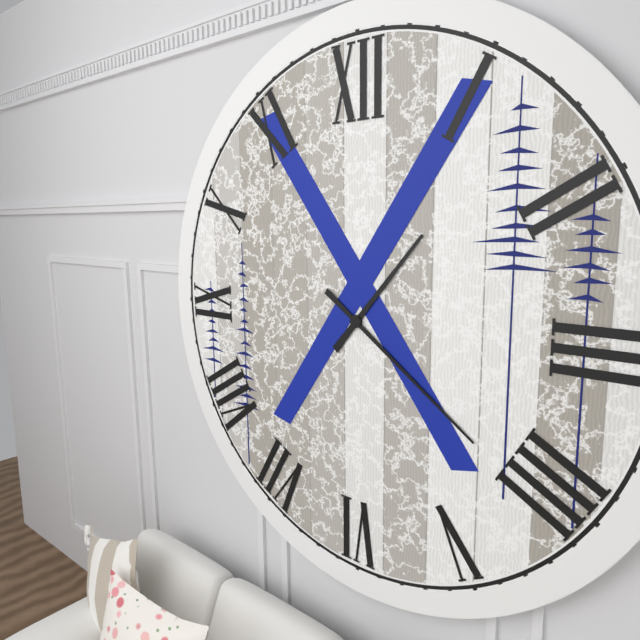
1:21
